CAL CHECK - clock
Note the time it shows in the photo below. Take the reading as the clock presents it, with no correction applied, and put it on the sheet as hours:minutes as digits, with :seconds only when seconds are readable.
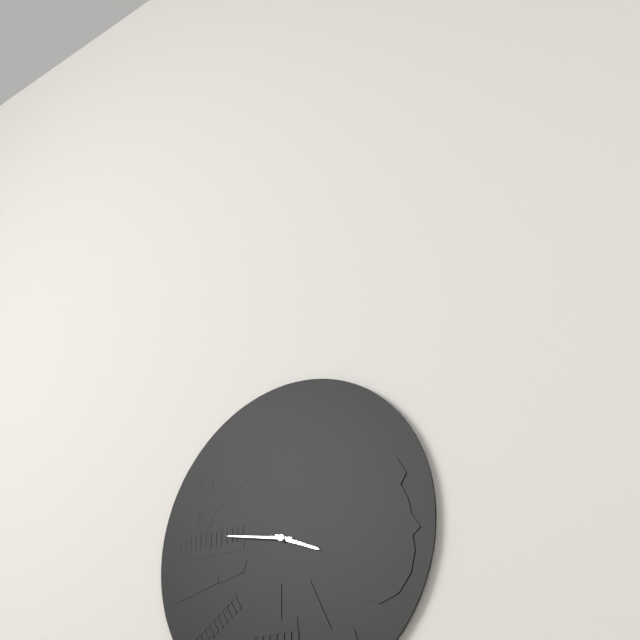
3:47
